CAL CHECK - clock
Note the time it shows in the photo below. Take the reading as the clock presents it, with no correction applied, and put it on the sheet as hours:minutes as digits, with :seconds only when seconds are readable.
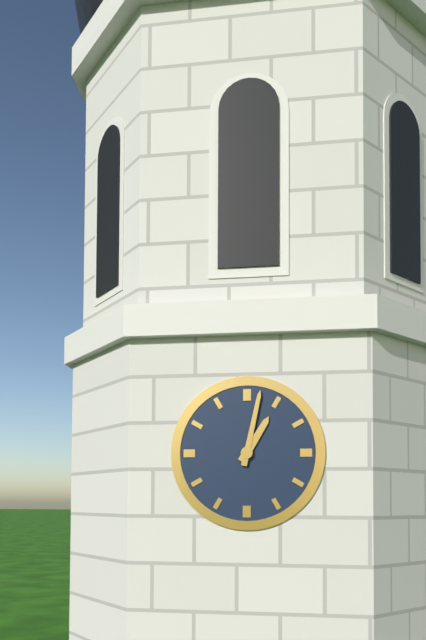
1:02
